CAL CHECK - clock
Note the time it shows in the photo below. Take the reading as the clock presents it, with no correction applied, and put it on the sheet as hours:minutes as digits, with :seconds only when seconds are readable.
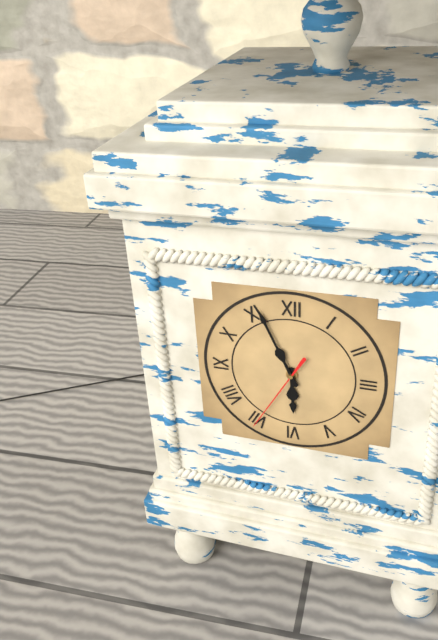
5:56:35
